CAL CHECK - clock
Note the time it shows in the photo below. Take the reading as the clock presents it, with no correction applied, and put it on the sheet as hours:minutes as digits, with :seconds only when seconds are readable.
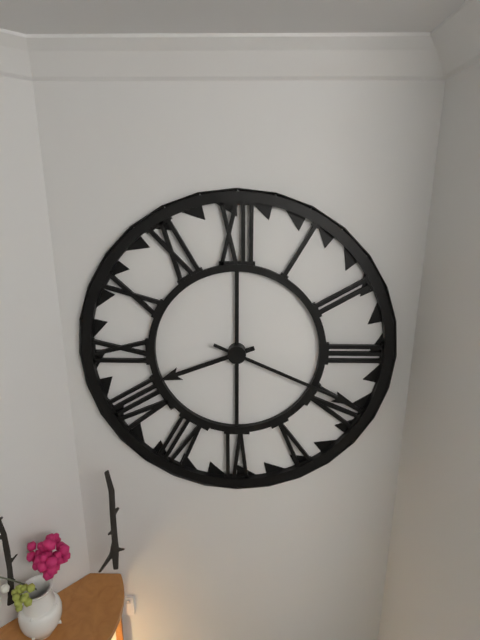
8:19
